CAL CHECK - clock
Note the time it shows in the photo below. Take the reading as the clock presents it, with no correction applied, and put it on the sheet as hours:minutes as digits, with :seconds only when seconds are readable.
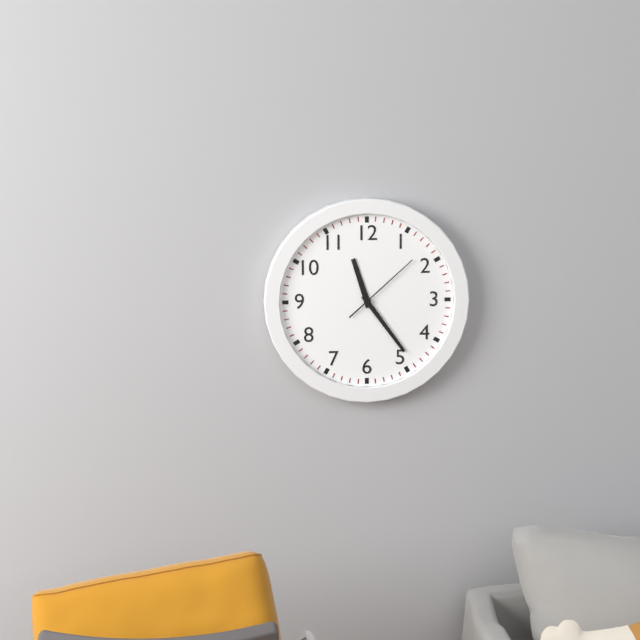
11:24:08
